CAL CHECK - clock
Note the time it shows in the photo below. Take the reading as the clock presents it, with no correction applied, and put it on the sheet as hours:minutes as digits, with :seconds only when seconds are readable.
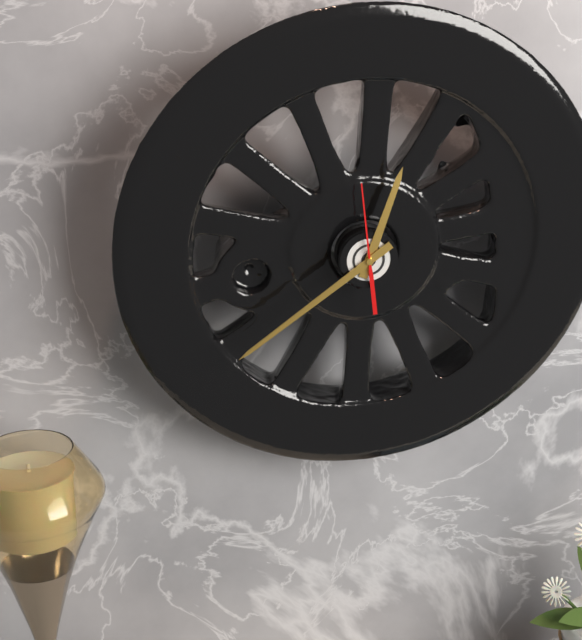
12:39:59
